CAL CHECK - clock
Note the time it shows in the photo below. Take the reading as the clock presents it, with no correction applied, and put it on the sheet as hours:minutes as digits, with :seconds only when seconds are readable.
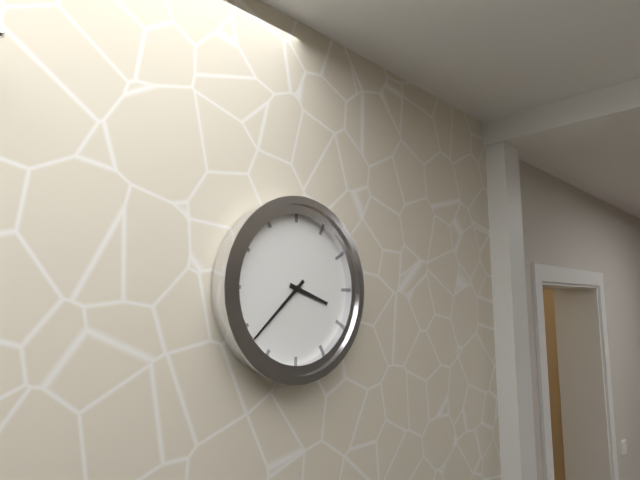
3:38
